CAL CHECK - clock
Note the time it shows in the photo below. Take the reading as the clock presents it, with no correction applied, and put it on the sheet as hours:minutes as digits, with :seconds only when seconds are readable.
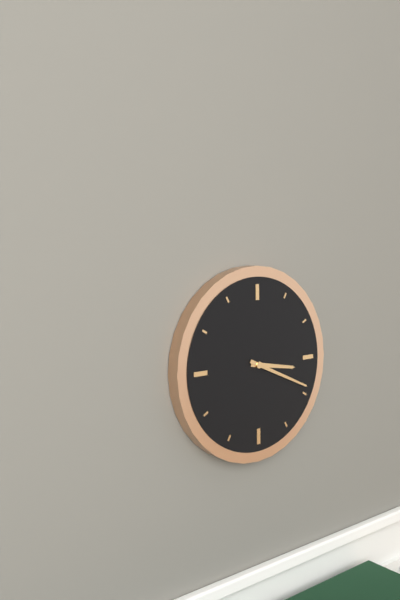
3:19
